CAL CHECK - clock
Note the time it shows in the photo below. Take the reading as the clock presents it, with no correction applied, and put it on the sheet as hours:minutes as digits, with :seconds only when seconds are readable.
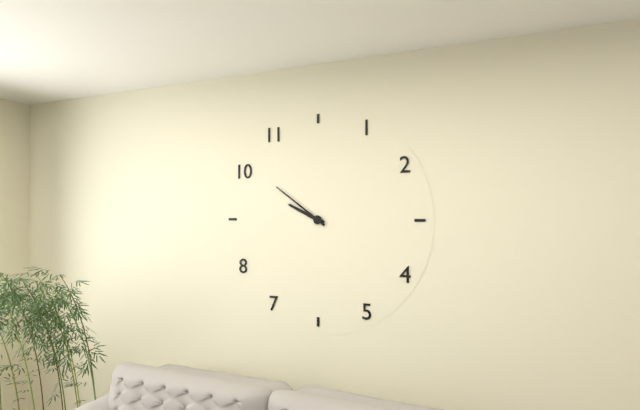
9:51
